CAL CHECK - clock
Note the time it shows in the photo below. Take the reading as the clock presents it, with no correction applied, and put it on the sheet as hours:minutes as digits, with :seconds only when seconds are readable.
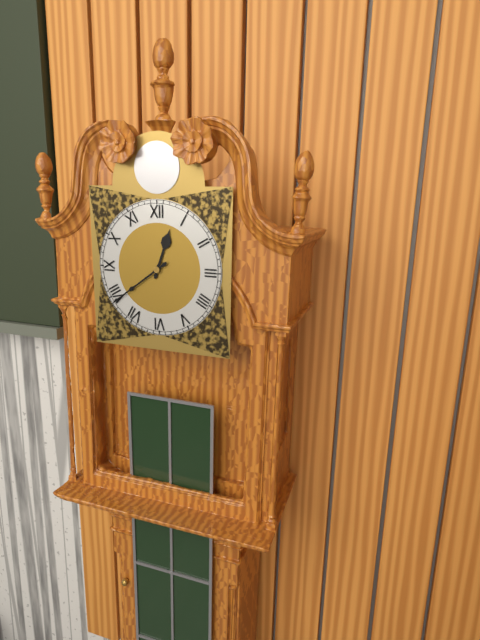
12:39
